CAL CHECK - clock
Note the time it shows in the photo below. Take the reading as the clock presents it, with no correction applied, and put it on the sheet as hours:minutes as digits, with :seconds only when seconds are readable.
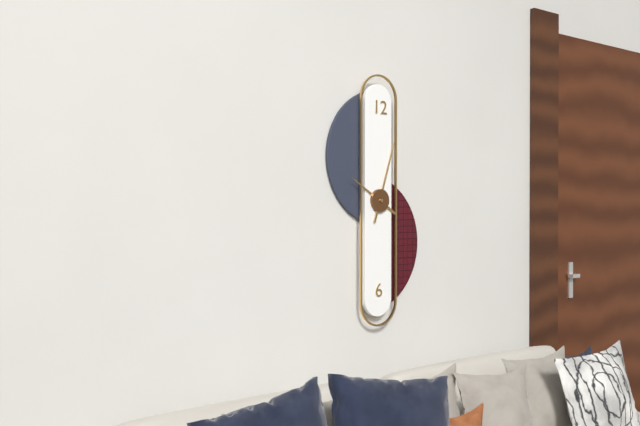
10:03
